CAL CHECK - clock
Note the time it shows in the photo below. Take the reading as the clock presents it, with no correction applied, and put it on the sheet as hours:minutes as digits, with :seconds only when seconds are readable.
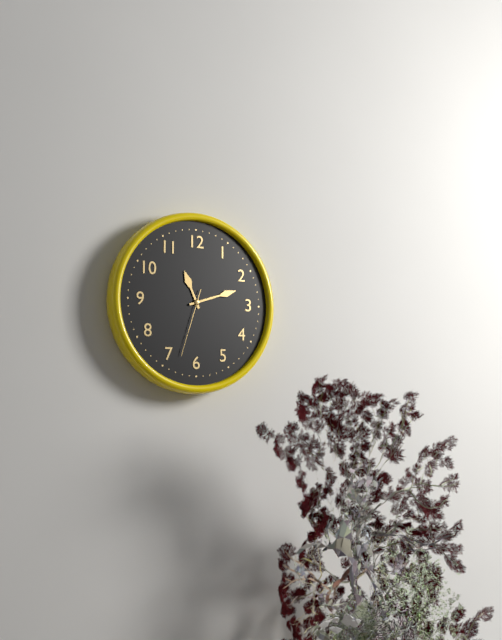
11:12:33
